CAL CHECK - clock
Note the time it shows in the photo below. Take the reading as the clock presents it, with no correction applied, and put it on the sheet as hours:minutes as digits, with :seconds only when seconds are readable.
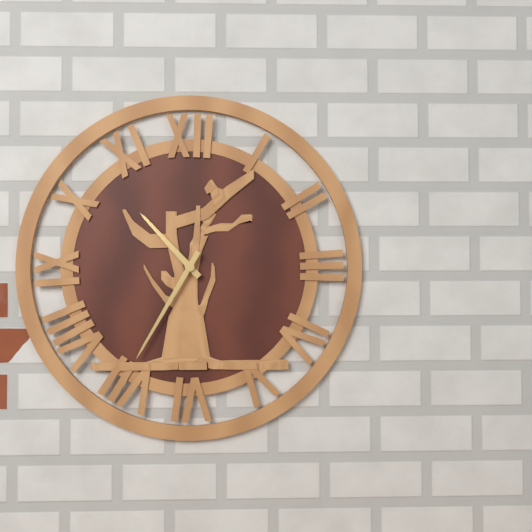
10:35
